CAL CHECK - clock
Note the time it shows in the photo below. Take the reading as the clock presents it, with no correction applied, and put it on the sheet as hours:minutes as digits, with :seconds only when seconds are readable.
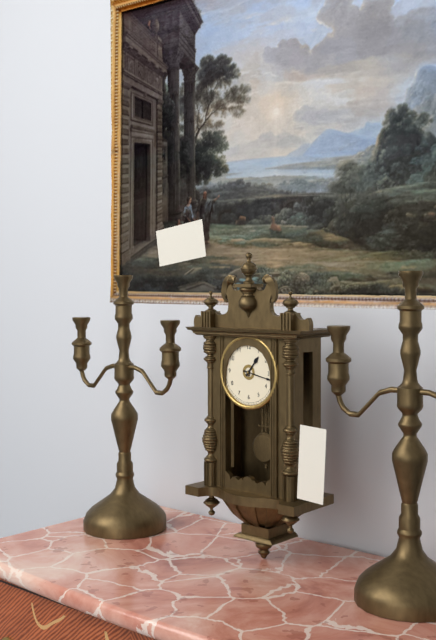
1:17
